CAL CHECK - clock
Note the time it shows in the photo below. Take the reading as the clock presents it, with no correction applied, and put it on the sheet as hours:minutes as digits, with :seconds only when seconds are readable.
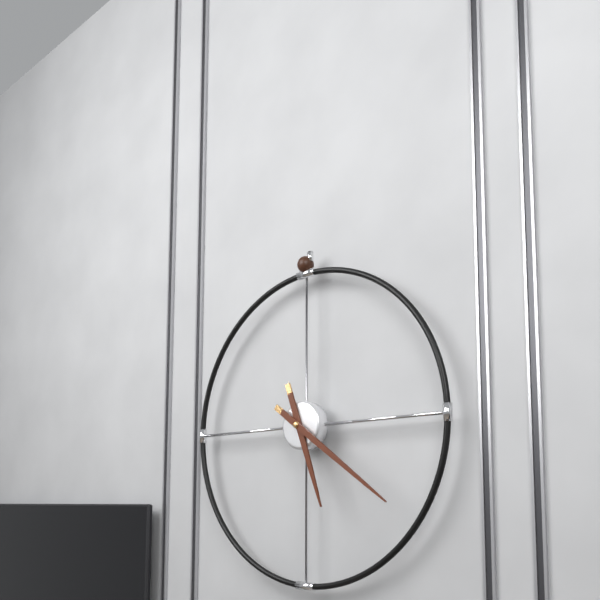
5:21
